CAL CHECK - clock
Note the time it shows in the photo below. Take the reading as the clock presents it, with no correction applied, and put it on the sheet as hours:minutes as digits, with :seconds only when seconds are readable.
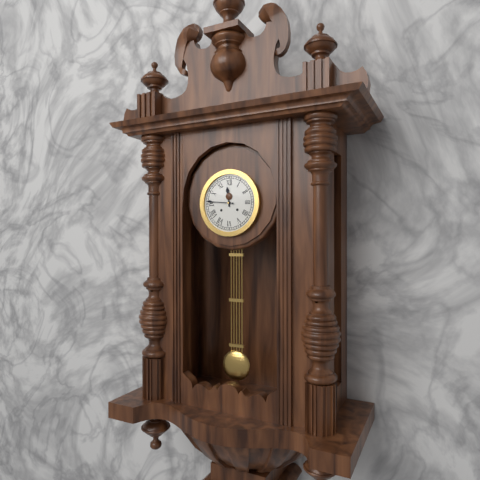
11:46
